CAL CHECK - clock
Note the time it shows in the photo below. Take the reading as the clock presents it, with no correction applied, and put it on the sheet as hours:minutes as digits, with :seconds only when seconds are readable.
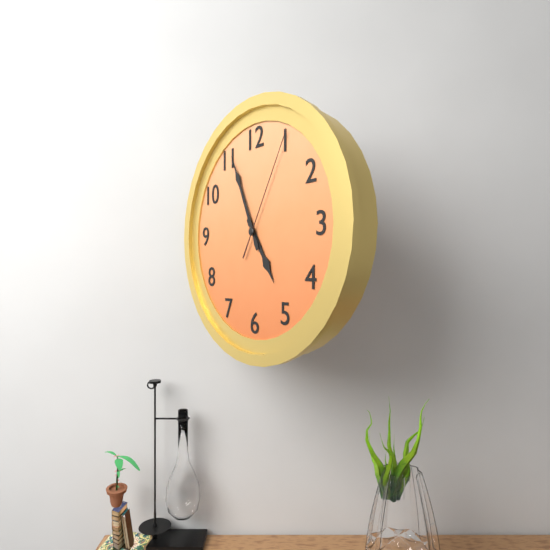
4:56:05
